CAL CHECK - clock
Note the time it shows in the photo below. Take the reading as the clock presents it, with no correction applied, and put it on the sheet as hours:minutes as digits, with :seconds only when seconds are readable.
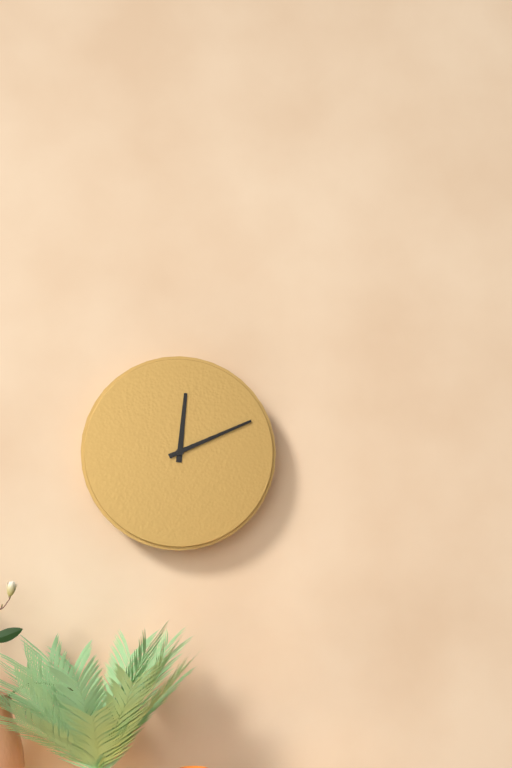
12:11
